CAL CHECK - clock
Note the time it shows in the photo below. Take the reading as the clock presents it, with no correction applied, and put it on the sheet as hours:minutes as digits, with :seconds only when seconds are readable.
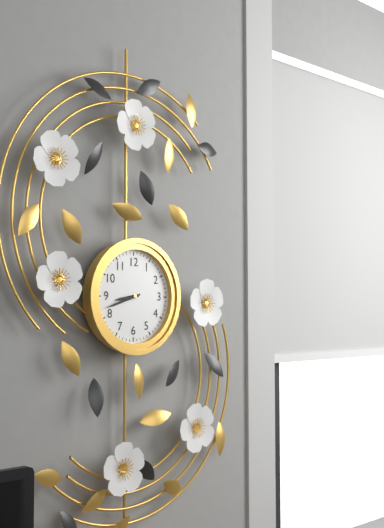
8:42
